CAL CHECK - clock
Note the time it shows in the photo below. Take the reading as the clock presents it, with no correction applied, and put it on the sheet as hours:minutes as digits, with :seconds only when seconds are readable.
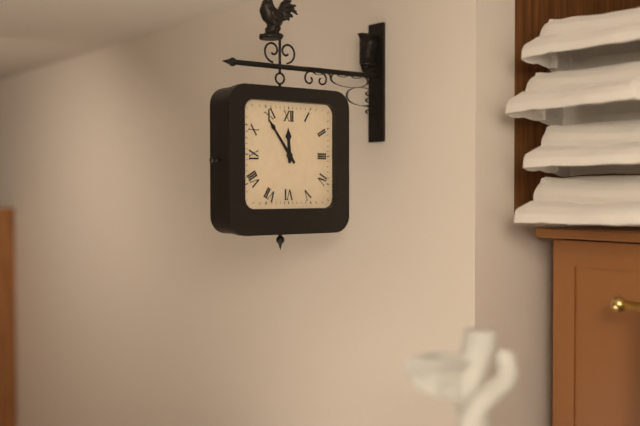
11:54
